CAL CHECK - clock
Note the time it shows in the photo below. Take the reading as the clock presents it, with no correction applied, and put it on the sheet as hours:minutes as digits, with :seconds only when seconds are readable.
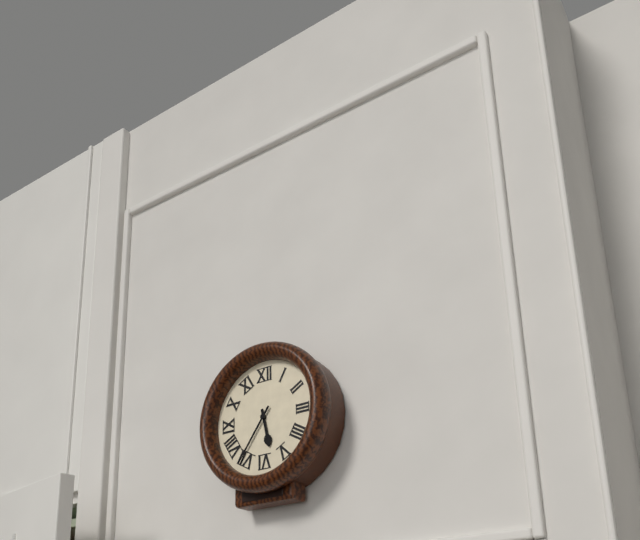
5:36
